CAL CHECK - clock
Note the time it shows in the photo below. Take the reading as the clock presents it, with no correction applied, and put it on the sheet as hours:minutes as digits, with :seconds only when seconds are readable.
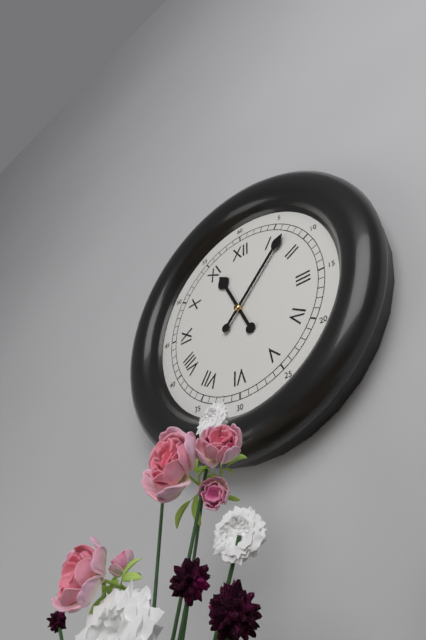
11:07
